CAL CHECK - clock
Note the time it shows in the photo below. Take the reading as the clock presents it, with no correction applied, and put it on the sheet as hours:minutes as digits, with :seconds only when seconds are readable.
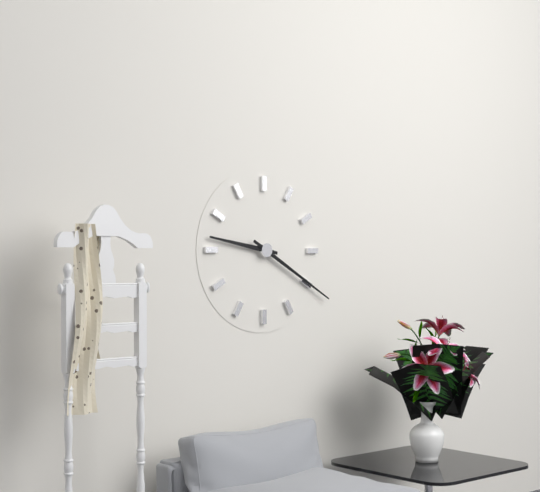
9:20
